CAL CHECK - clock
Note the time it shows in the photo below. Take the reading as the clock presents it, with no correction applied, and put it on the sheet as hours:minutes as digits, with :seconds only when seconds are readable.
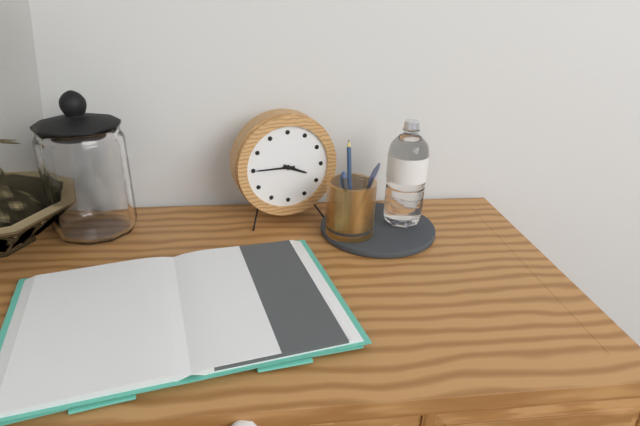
3:45
